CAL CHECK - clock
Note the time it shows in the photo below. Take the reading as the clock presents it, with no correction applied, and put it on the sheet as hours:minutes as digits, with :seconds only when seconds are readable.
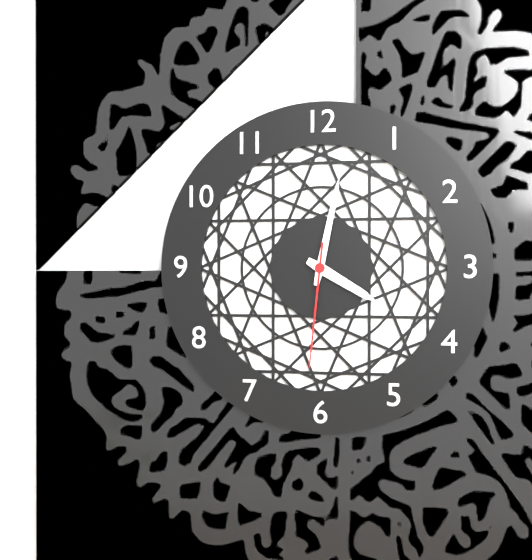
4:02:31
